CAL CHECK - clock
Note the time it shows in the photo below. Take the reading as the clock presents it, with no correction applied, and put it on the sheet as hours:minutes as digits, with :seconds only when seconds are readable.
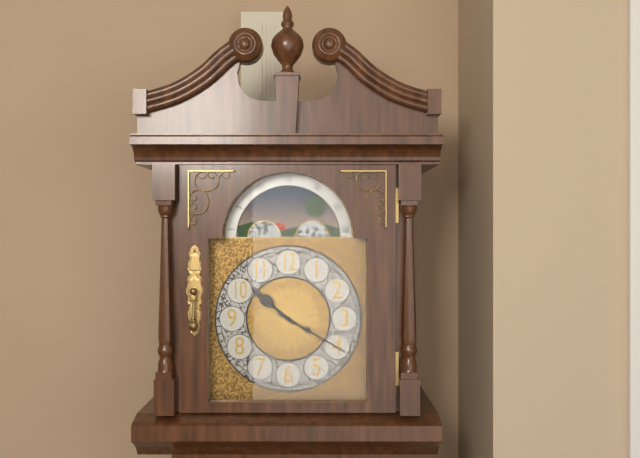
10:20
